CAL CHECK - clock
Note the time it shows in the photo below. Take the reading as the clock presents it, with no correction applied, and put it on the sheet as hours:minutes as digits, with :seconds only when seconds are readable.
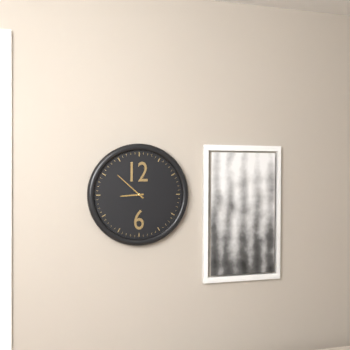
8:52
